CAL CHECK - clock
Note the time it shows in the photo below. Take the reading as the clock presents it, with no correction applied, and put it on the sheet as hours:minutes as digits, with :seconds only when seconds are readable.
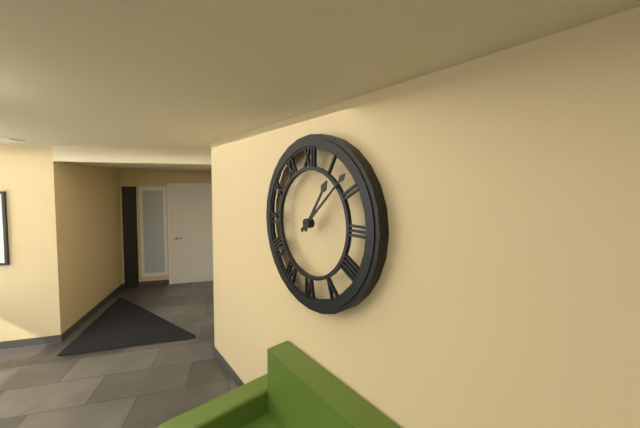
1:08
